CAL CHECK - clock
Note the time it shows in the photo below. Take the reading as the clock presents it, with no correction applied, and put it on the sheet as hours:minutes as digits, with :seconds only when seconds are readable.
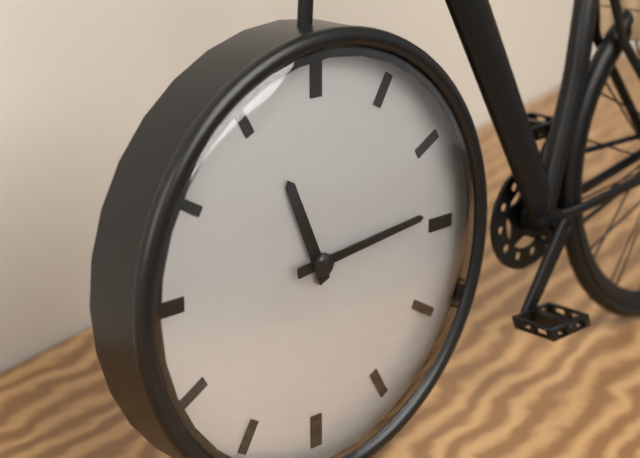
11:14
